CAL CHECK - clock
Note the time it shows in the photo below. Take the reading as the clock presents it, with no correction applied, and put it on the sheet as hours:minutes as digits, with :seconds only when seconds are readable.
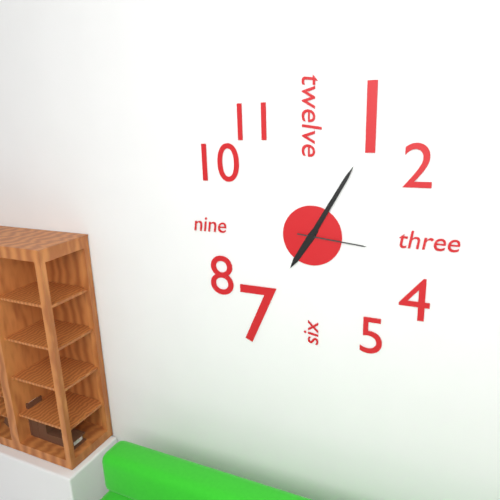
7:05:16
